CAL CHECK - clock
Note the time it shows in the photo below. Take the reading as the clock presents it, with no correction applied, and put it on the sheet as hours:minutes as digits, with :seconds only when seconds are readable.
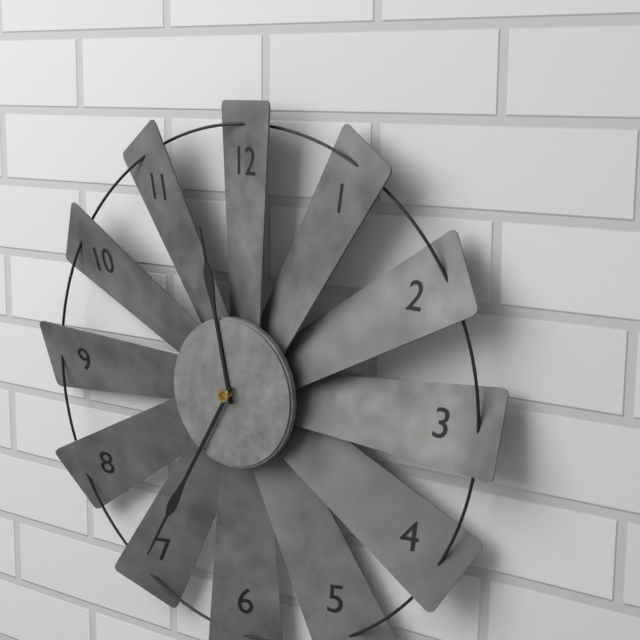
11:35
